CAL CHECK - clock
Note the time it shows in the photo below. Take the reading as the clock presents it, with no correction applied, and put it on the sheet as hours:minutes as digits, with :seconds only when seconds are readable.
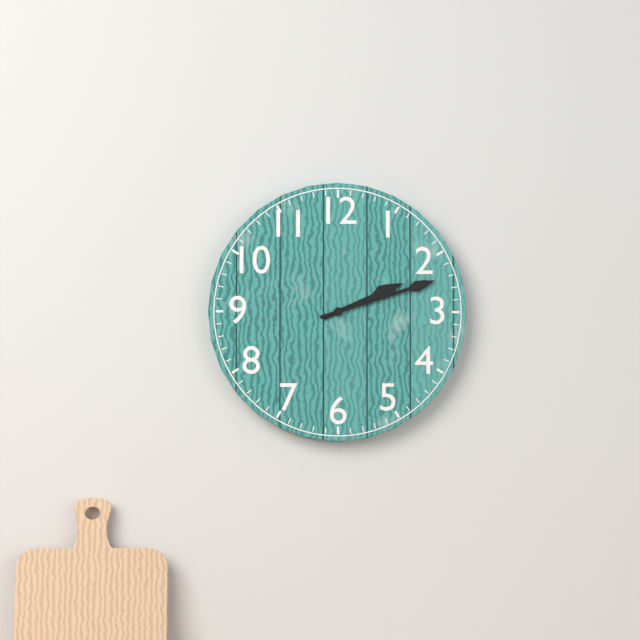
2:12
